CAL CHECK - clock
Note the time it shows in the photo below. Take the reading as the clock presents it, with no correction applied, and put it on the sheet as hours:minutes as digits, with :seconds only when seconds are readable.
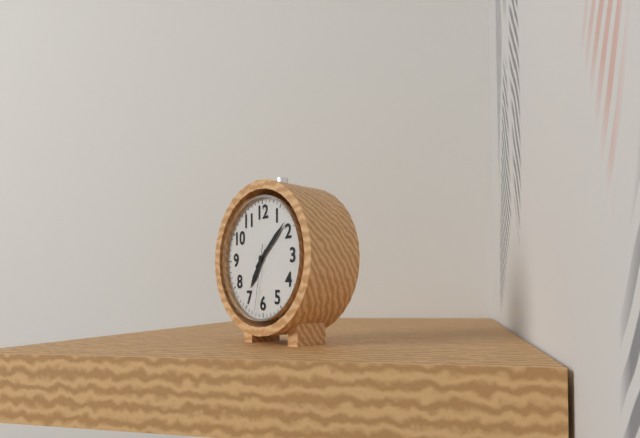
7:08:32
